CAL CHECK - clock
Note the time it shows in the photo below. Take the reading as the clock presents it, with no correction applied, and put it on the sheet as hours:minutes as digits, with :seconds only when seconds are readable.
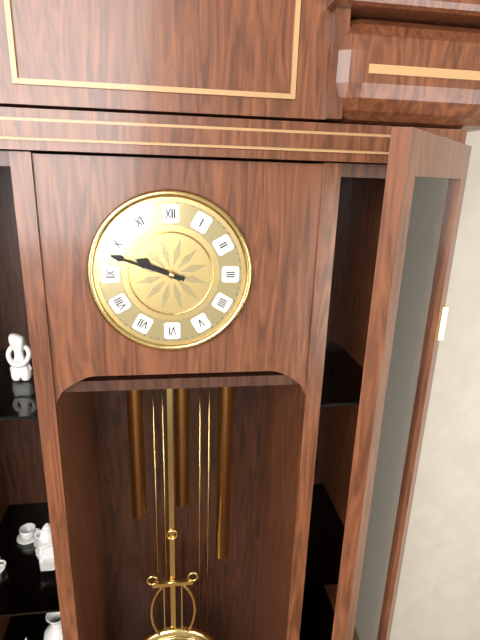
9:48
